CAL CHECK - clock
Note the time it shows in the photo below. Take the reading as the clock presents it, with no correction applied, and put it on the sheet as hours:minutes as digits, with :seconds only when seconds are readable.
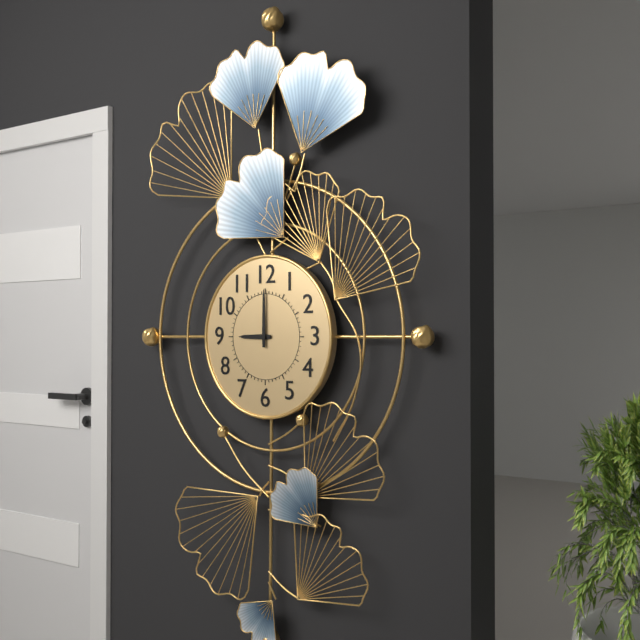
9:00
